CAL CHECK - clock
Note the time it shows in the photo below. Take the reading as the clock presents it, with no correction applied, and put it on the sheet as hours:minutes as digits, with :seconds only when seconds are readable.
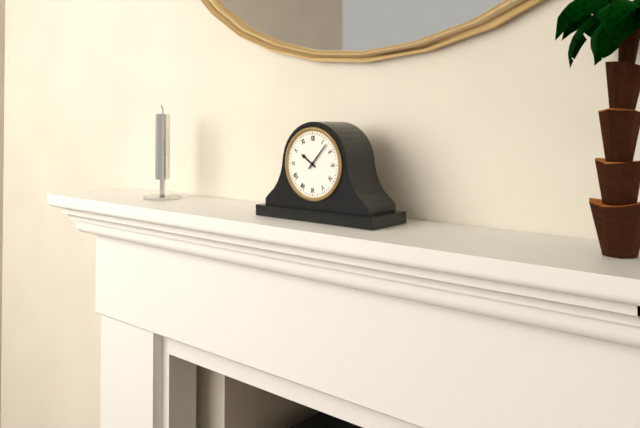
10:07
